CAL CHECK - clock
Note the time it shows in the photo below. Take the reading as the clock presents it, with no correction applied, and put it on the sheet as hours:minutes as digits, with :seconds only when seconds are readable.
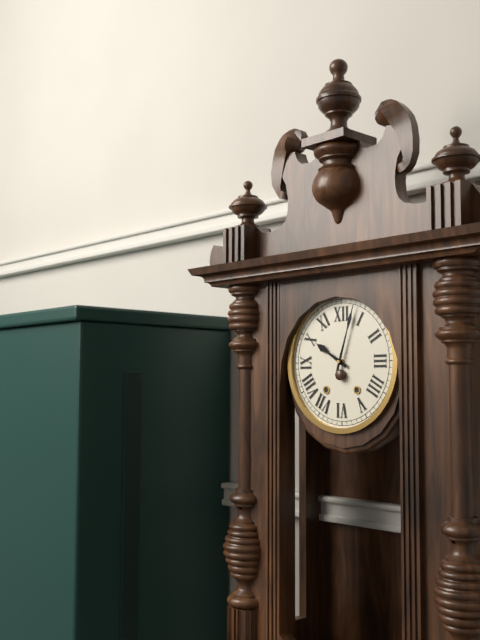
10:03
